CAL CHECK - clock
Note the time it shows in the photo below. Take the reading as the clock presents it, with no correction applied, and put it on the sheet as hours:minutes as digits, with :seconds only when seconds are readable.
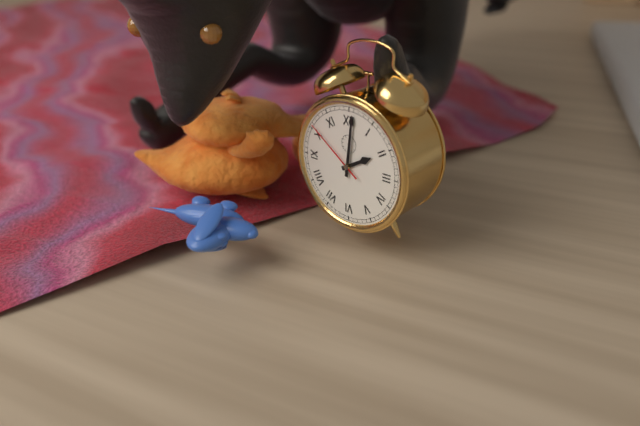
2:01:51
